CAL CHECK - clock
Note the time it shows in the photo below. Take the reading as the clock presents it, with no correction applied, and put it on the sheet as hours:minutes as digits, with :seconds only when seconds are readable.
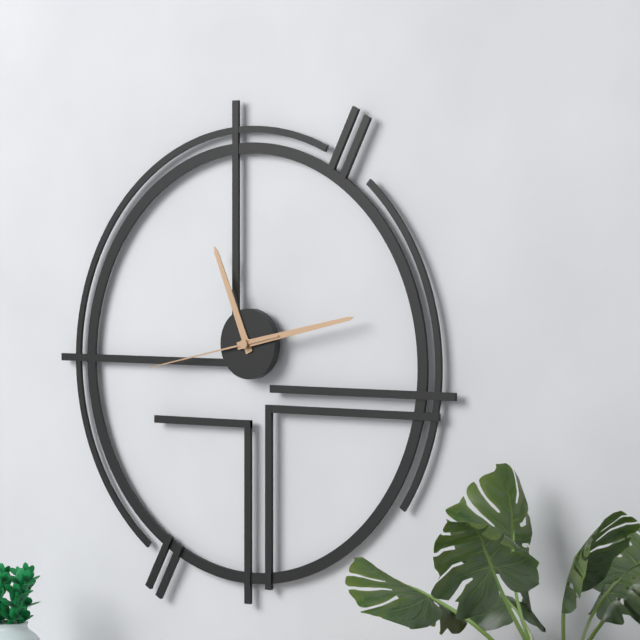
11:13:43
